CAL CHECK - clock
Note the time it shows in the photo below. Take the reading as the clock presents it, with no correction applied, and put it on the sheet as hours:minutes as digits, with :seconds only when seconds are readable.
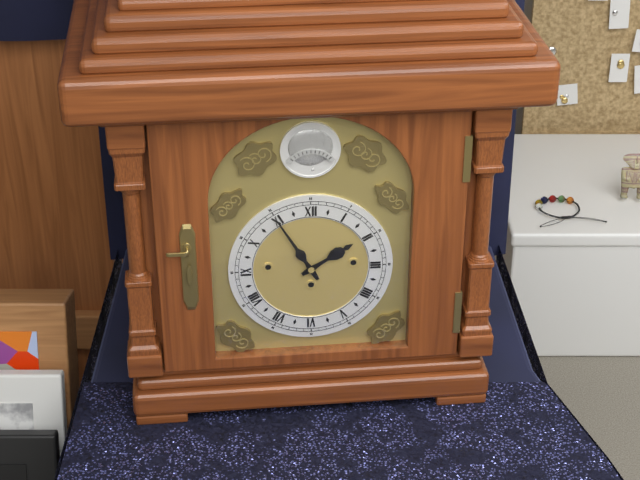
1:55
